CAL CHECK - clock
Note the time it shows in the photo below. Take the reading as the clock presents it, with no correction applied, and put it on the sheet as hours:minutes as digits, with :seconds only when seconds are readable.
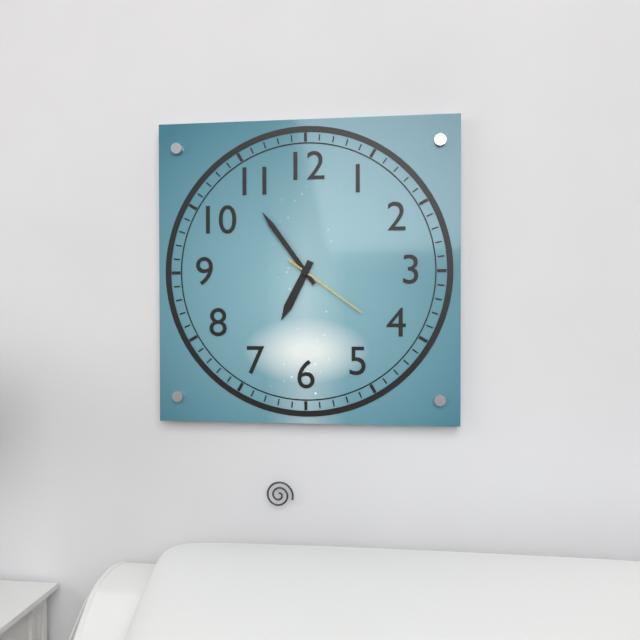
6:54:21
